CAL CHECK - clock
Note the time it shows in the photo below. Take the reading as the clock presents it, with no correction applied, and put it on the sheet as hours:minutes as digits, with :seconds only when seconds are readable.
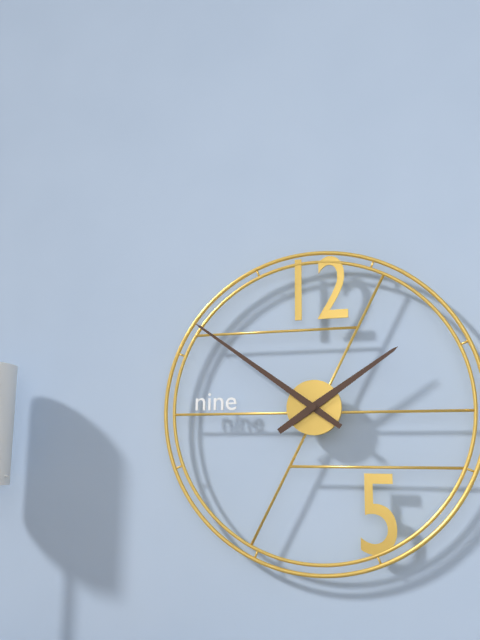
1:51
